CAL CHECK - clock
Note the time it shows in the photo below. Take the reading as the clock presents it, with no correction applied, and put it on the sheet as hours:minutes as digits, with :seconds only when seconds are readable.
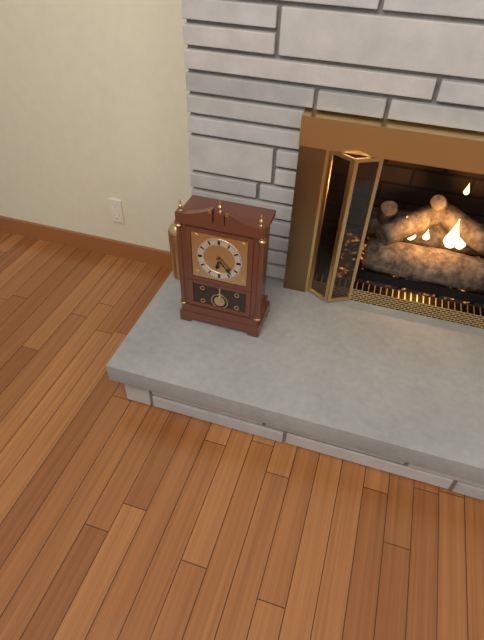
6:23
